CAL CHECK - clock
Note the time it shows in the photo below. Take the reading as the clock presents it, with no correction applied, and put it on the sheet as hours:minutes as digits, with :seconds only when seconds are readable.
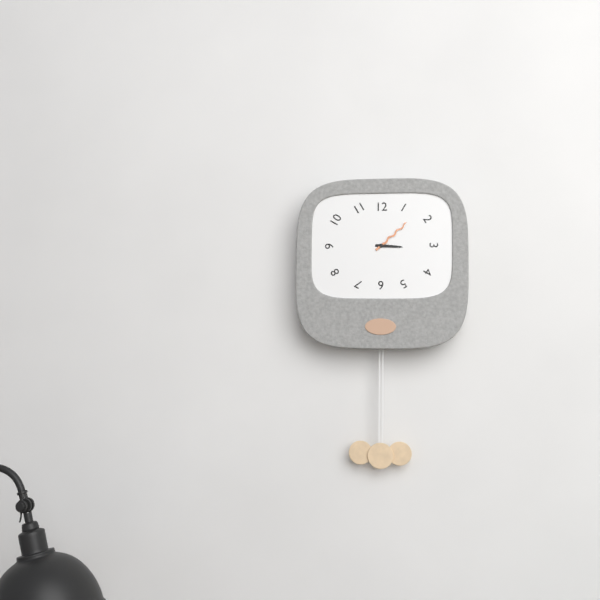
3:08
